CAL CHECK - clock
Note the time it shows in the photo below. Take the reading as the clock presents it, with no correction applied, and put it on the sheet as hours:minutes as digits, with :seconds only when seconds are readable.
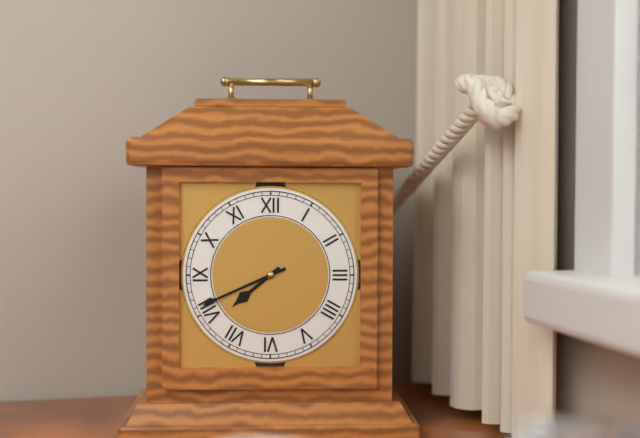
7:41
